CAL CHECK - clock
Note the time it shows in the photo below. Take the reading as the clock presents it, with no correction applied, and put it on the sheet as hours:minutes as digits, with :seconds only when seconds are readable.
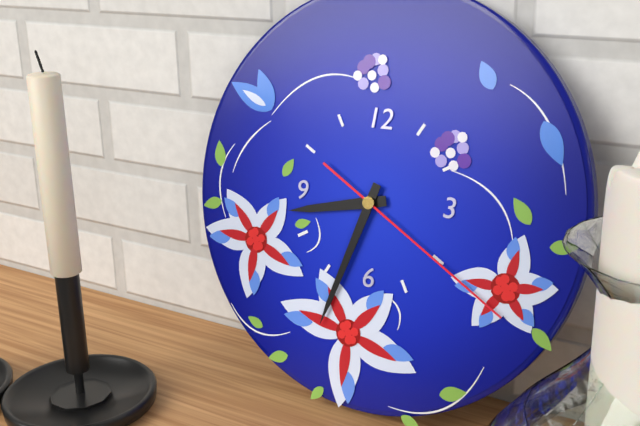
8:33:20
